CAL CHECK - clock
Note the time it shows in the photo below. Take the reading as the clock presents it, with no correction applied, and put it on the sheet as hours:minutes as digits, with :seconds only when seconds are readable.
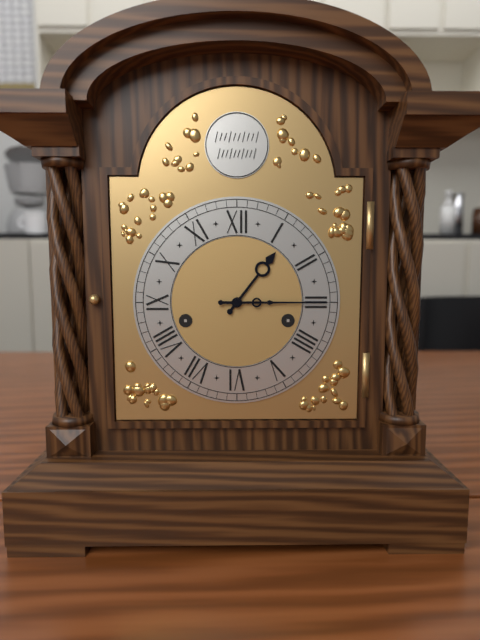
1:15
